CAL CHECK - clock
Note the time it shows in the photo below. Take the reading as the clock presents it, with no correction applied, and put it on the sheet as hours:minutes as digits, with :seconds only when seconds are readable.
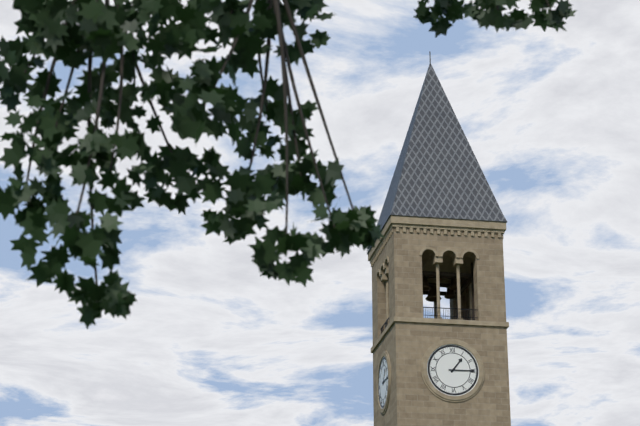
1:15
